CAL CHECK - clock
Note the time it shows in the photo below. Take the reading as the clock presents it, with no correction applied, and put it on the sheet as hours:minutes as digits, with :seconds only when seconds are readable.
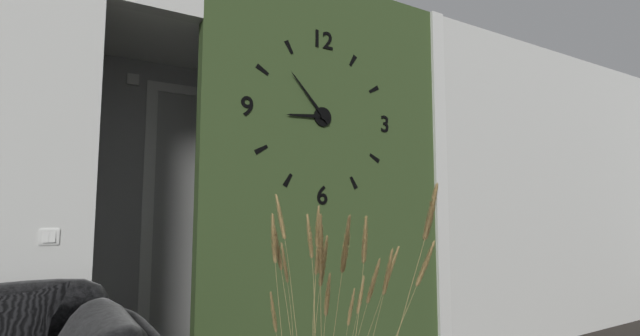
8:53
